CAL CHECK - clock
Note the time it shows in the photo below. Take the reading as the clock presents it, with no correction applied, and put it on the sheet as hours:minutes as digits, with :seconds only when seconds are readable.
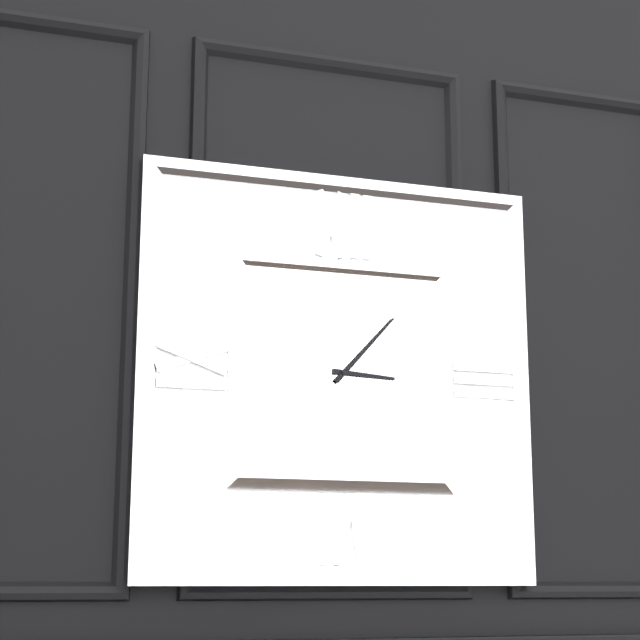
3:07
